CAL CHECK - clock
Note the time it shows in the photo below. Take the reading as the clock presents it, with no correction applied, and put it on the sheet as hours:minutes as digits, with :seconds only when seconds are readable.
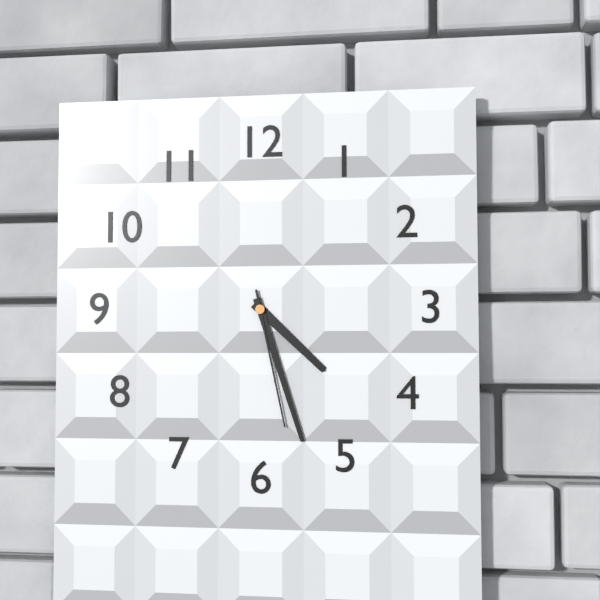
4:27:28
